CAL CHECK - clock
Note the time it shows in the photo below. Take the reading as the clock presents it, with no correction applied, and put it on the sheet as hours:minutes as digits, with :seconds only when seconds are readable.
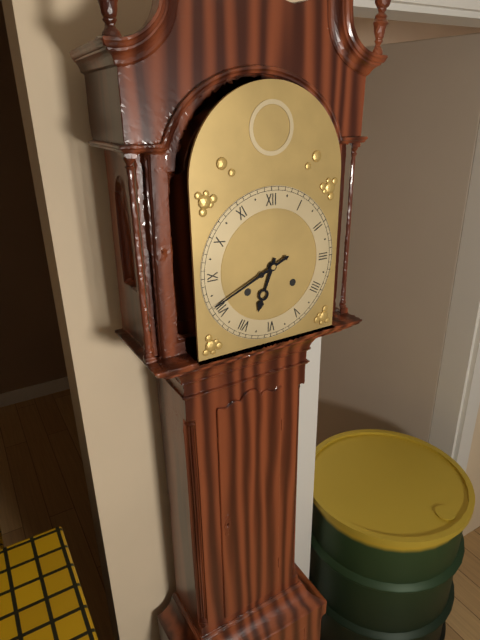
6:41
